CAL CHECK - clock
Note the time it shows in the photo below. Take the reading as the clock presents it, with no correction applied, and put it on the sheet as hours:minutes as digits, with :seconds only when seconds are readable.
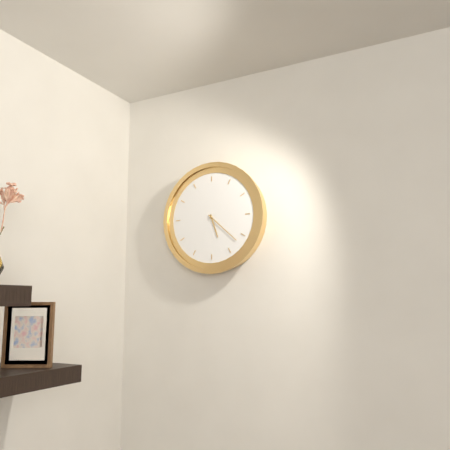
5:22
